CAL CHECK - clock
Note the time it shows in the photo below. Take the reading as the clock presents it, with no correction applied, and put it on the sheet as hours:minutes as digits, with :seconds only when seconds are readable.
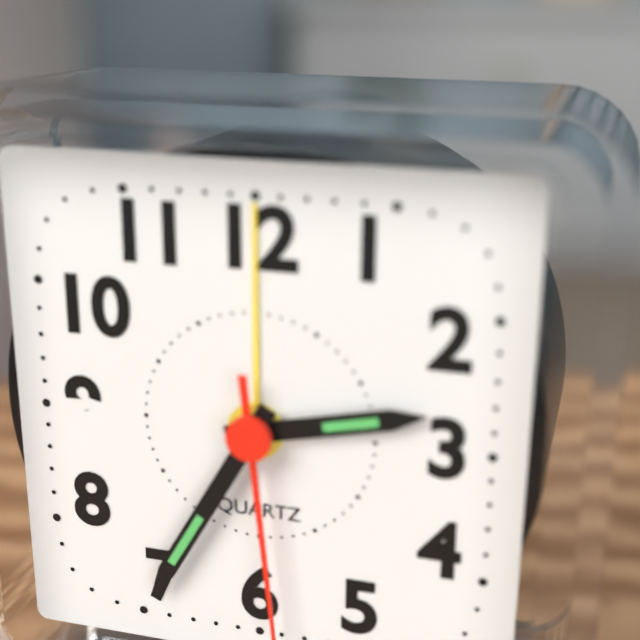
2:35
